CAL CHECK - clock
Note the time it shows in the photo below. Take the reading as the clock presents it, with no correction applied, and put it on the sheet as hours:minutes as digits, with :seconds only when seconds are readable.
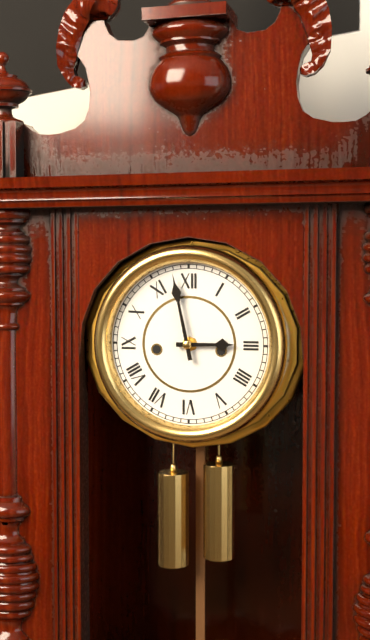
2:58
